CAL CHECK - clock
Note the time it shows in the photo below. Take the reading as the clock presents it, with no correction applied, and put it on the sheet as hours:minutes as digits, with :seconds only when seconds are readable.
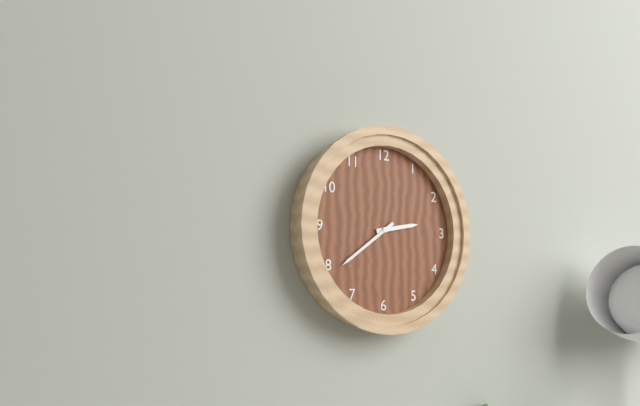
2:39
